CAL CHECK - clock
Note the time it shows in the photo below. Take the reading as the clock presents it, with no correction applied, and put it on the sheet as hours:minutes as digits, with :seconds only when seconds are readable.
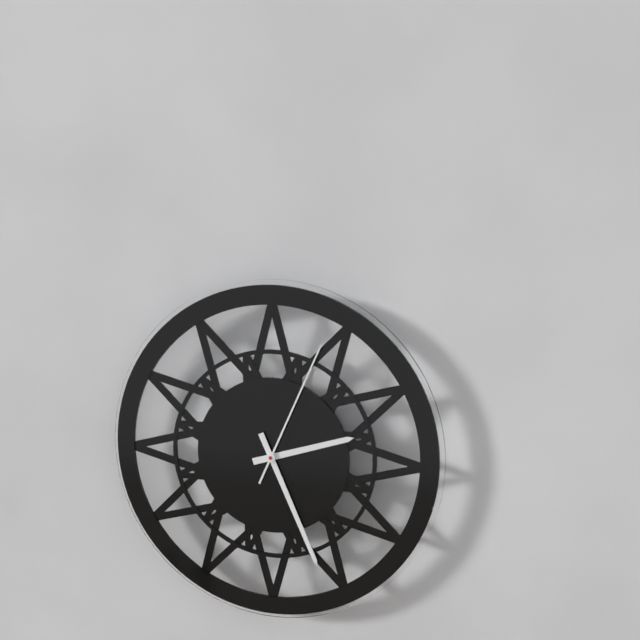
2:26:04
